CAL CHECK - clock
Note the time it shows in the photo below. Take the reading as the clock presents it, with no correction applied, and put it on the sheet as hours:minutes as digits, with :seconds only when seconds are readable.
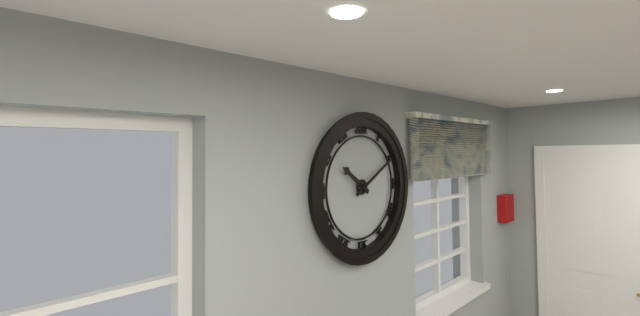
10:10
